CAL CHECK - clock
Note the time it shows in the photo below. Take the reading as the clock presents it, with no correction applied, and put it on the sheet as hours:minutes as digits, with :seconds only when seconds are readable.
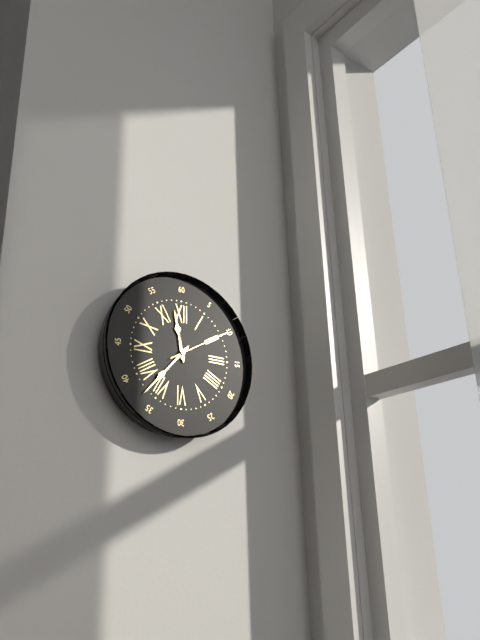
11:37:10
